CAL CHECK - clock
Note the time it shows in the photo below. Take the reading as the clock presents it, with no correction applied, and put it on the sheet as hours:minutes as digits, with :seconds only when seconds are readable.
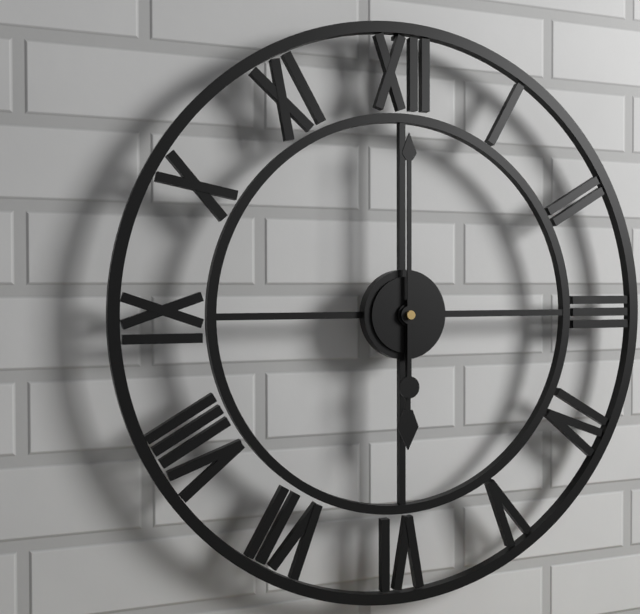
6:00
